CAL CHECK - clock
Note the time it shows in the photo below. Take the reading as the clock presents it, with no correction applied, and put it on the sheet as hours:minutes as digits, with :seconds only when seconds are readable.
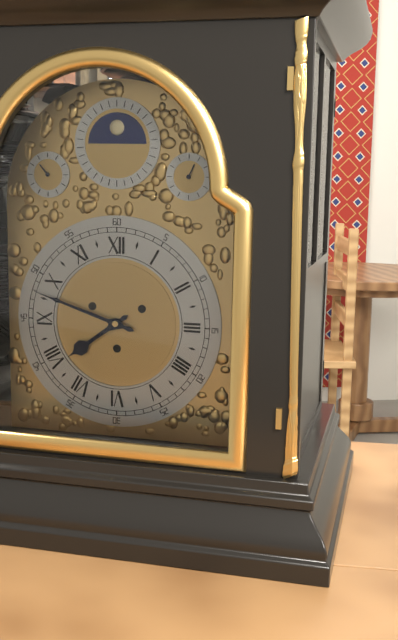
7:48
